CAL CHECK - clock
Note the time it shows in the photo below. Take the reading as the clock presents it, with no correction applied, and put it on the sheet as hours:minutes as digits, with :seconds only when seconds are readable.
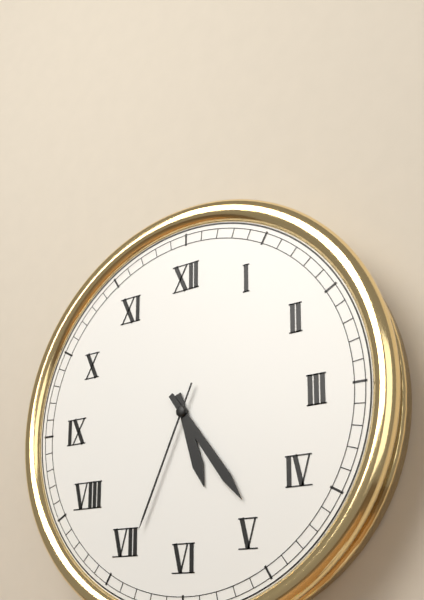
5:24:34
